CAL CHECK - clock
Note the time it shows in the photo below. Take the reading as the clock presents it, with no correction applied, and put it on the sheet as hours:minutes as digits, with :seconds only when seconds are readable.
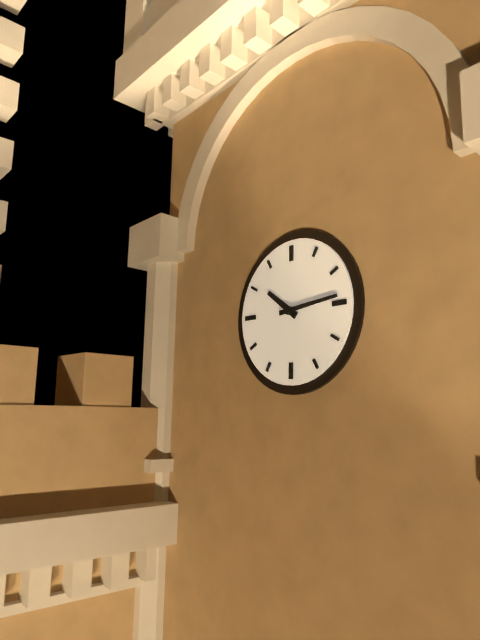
10:14
